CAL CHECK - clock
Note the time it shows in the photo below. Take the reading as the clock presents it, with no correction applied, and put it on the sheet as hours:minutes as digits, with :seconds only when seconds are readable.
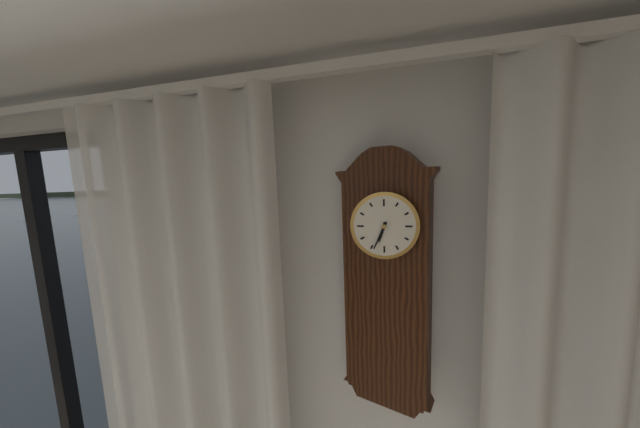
6:34
